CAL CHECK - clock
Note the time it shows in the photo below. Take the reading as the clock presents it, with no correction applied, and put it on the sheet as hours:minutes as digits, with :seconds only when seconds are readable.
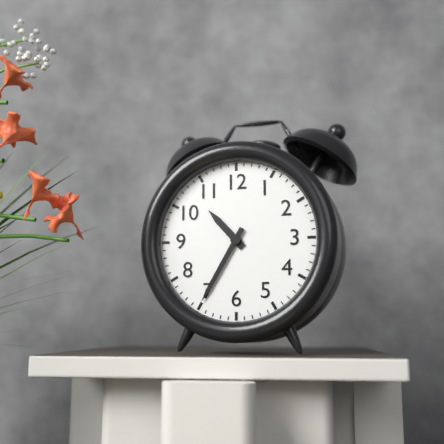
10:35
